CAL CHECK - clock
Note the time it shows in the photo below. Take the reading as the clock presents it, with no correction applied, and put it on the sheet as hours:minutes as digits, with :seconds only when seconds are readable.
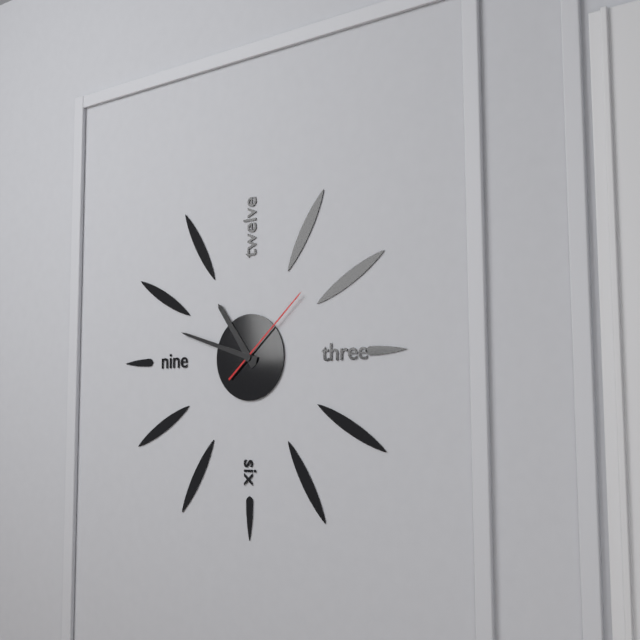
10:48:08
